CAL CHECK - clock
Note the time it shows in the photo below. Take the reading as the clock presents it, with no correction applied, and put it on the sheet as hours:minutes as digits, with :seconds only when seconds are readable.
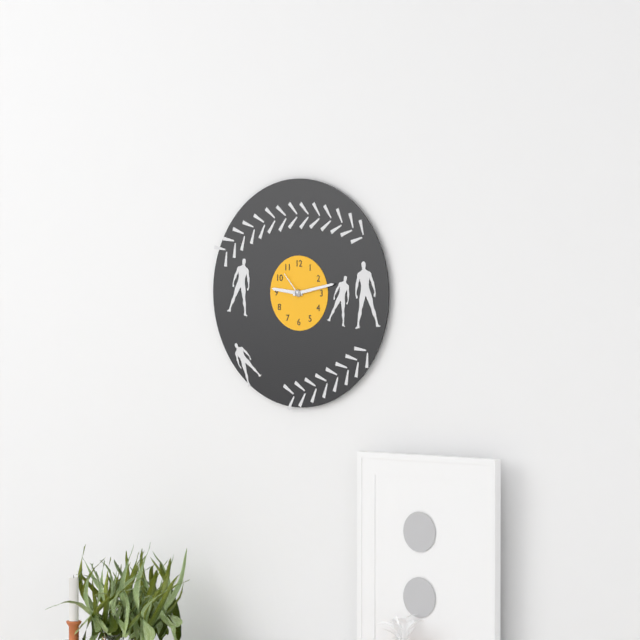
9:13
